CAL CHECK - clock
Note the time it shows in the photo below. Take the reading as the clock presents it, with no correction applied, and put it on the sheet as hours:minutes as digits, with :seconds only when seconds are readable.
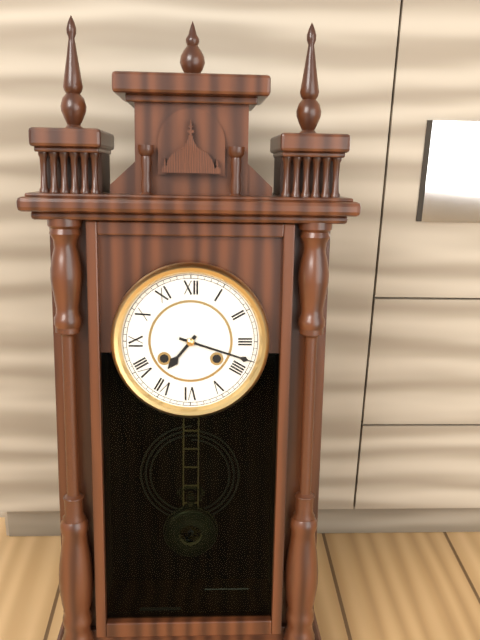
7:18
